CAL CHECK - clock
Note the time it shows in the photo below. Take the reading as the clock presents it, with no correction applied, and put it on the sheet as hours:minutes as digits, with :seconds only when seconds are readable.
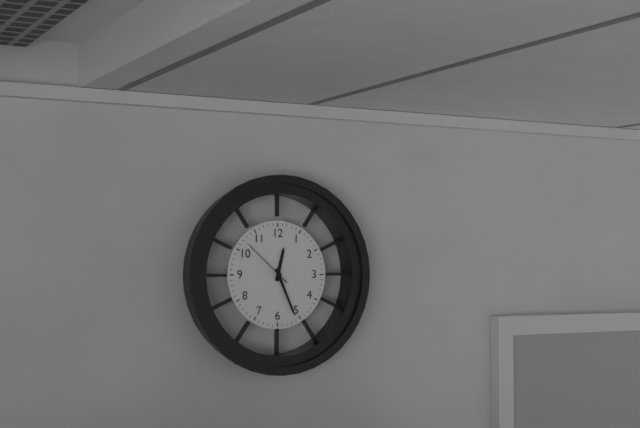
12:26:52
